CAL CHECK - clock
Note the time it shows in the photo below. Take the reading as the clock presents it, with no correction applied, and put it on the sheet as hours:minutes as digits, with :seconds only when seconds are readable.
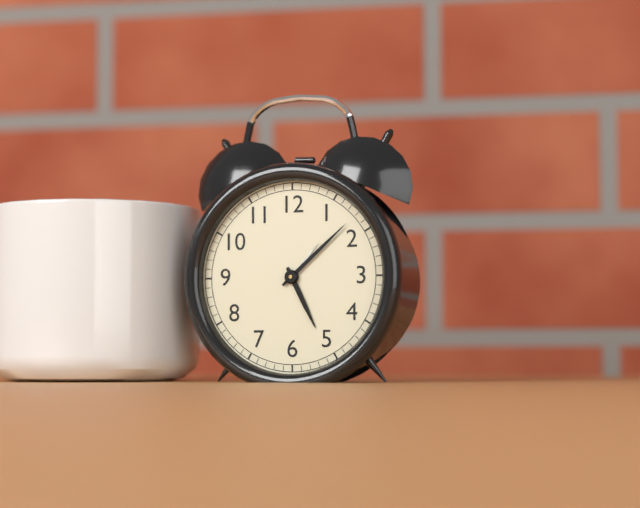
5:08
